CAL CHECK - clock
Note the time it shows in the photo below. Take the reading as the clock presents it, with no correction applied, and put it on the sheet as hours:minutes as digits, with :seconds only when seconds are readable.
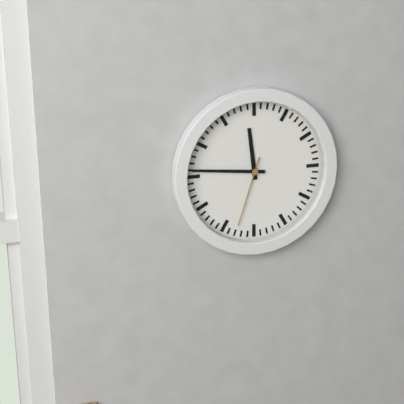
11:46:33
